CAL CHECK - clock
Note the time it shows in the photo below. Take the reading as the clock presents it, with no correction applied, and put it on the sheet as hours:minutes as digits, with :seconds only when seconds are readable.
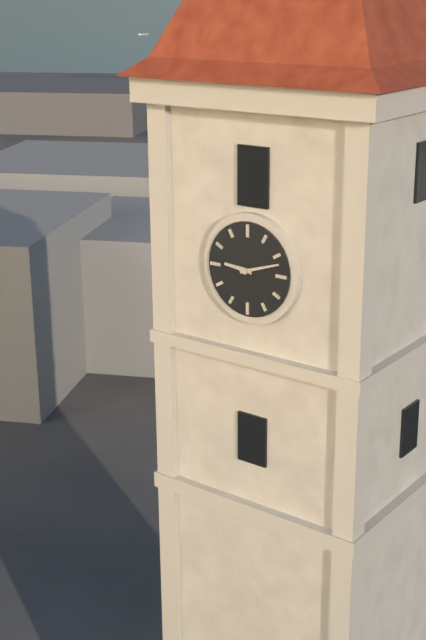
9:12
